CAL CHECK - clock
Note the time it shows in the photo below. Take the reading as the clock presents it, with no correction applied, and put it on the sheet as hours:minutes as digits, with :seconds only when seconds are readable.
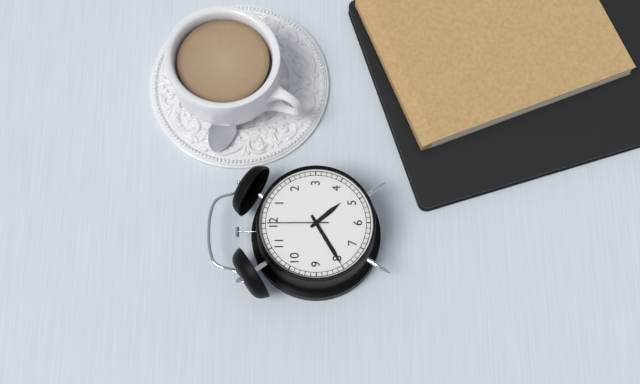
4:40:00
